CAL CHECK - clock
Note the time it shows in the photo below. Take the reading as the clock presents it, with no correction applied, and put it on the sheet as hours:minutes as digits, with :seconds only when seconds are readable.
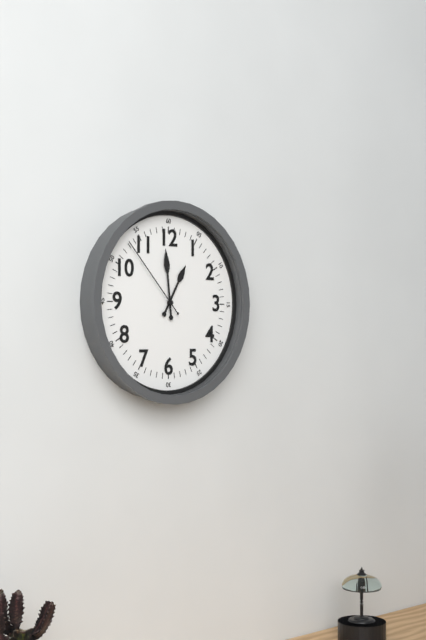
12:59:53
